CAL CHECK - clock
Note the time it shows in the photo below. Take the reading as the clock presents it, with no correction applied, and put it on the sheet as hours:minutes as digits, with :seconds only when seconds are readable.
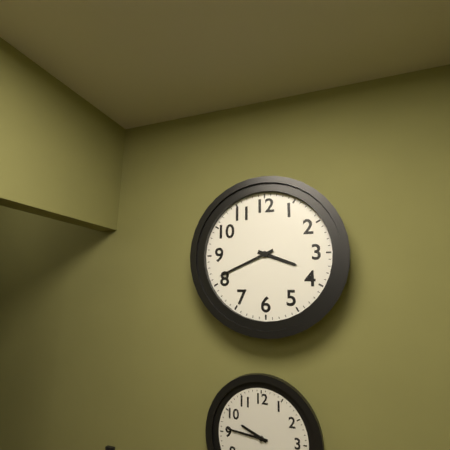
3:41
